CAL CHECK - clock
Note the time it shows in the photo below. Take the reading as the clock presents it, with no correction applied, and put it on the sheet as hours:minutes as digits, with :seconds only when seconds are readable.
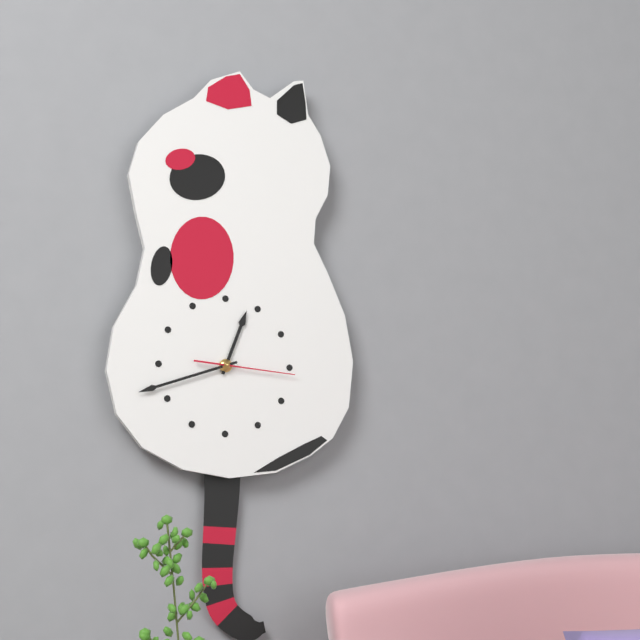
12:42:16
